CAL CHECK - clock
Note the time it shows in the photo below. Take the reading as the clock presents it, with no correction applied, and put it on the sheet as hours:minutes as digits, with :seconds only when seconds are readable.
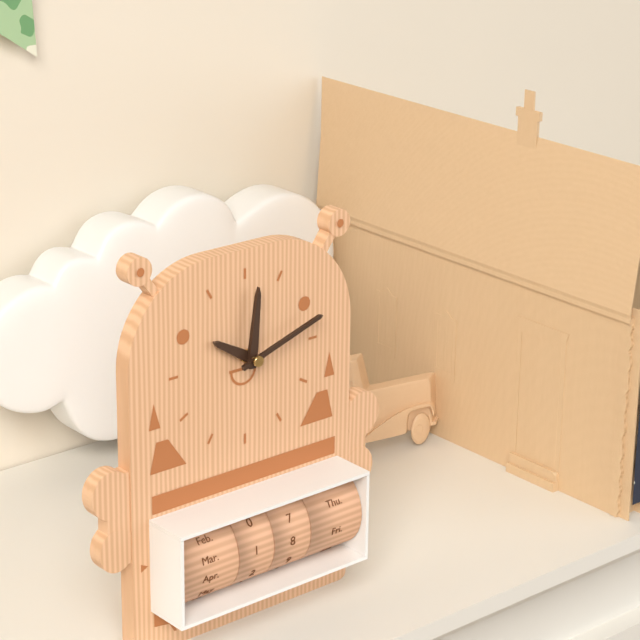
10:01:12
